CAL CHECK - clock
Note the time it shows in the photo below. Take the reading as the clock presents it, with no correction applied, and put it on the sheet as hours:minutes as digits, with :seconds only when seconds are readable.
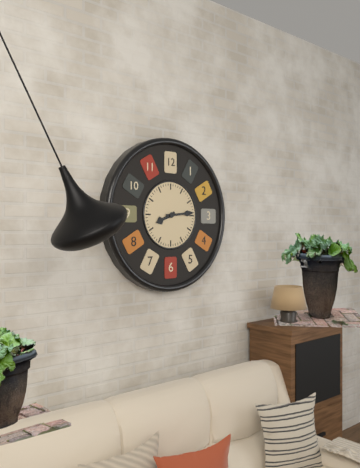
8:14
